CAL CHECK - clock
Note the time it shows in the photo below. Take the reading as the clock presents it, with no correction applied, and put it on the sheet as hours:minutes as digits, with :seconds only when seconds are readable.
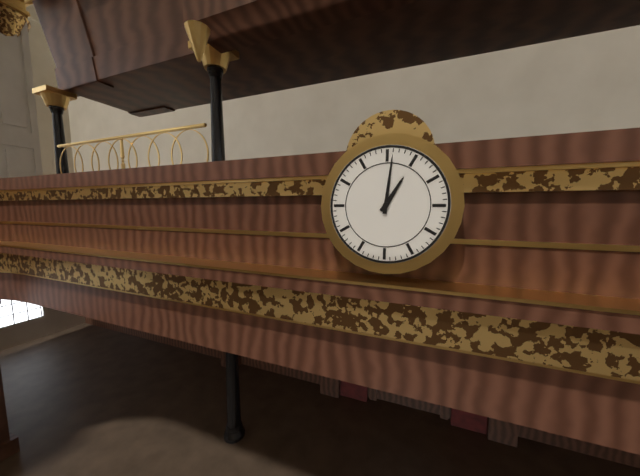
1:01
